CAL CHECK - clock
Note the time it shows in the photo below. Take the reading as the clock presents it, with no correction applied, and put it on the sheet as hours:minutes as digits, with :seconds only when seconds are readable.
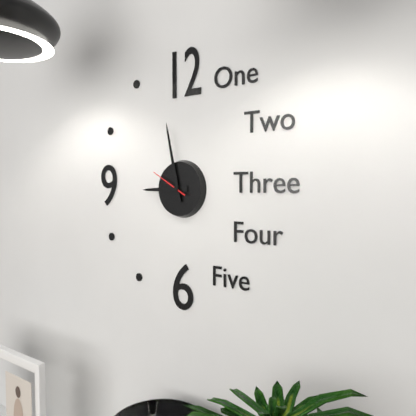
8:58
